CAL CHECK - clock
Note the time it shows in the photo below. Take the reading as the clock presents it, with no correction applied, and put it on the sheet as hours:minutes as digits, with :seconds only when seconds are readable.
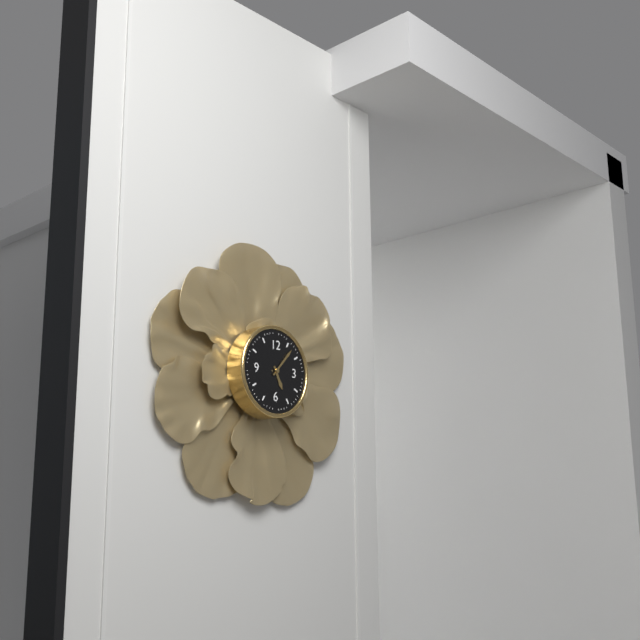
5:07
